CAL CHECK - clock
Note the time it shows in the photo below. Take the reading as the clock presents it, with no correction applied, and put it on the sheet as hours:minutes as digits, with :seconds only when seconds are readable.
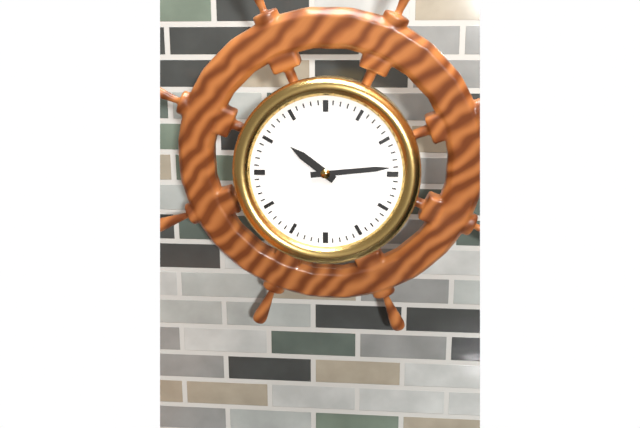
10:14
